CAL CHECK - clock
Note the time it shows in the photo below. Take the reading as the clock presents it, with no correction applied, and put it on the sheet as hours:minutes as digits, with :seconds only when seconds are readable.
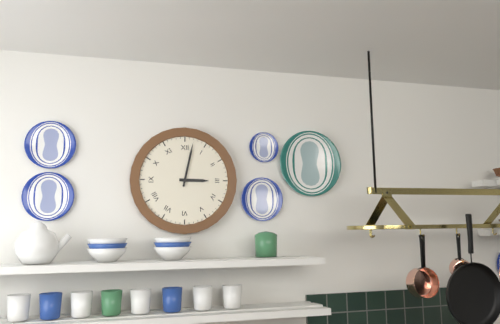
3:02
